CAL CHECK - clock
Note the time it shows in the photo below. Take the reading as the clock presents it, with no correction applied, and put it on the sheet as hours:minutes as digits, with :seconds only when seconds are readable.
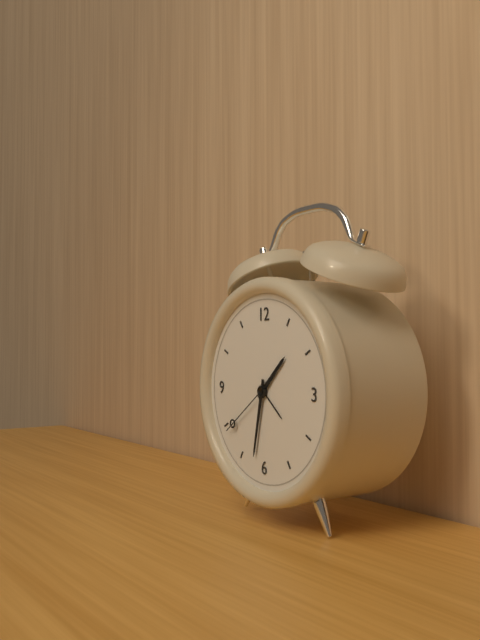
1:32:39
